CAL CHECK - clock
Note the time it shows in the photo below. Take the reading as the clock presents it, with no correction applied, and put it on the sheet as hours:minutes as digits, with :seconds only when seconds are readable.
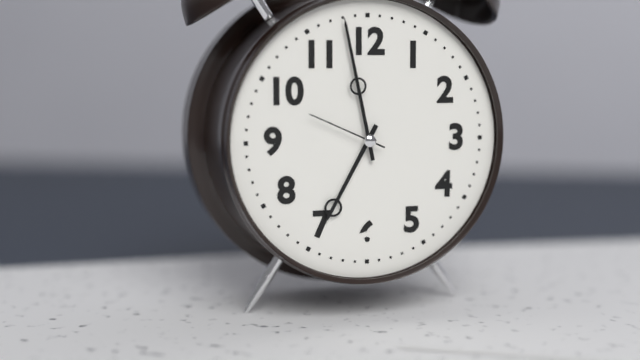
6:58:49
